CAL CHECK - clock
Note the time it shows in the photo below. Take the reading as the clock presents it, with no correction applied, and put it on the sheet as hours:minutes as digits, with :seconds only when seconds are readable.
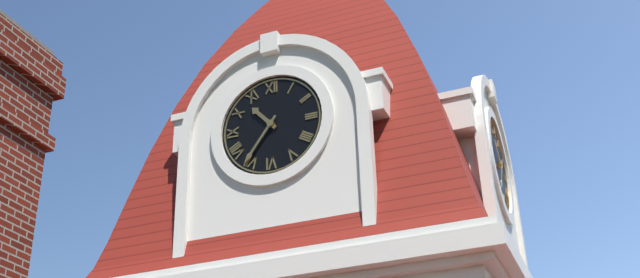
10:36
